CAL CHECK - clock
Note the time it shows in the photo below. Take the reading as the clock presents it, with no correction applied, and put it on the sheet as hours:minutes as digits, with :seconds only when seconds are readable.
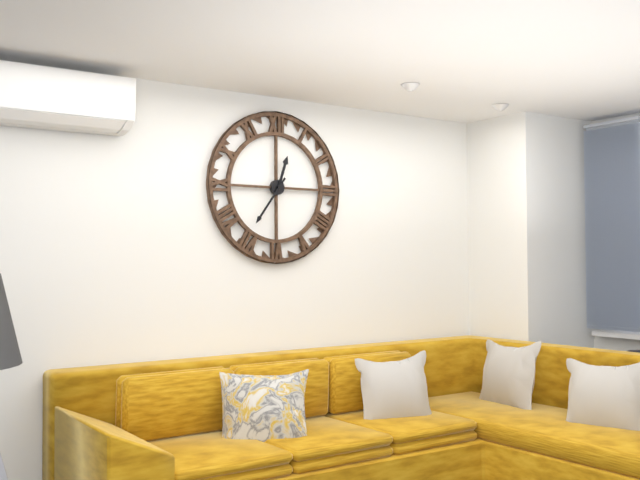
12:36
